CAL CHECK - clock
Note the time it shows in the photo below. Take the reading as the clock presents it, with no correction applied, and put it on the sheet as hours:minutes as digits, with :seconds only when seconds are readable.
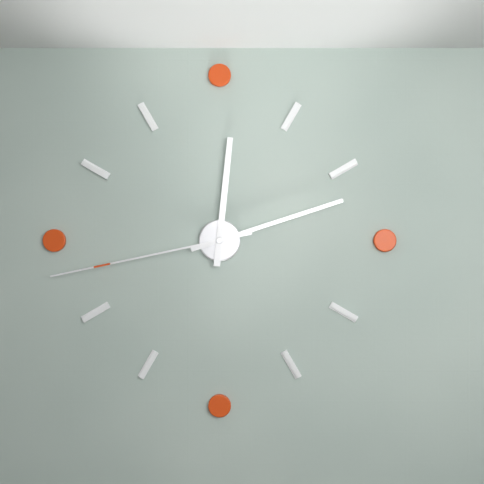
12:12:43
